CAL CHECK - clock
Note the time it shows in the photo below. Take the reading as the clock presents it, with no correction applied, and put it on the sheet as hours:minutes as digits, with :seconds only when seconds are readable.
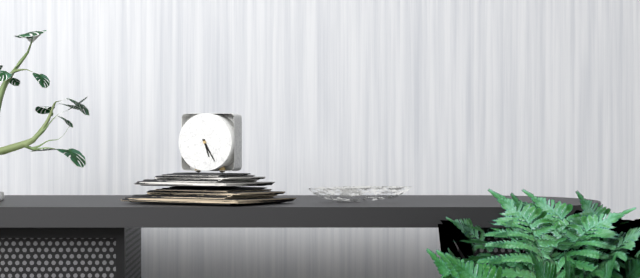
5:25
